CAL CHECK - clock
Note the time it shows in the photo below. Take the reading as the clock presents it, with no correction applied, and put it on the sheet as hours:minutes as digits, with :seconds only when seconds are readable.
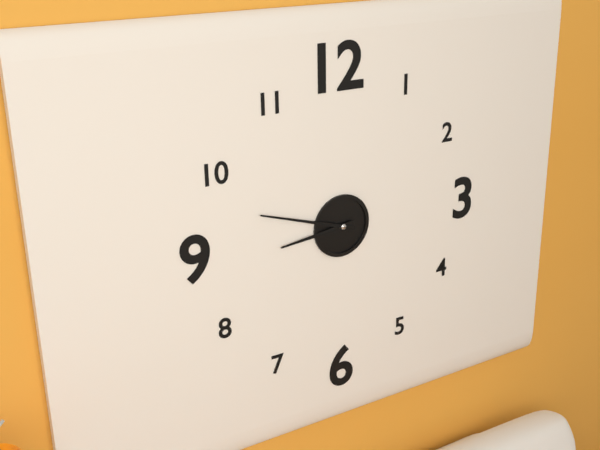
8:48
